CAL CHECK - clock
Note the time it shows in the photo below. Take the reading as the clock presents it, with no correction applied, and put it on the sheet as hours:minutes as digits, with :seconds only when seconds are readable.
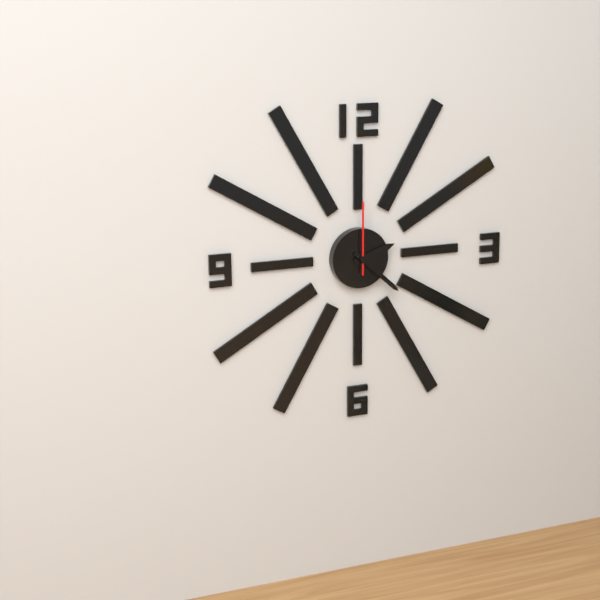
2:22:00
